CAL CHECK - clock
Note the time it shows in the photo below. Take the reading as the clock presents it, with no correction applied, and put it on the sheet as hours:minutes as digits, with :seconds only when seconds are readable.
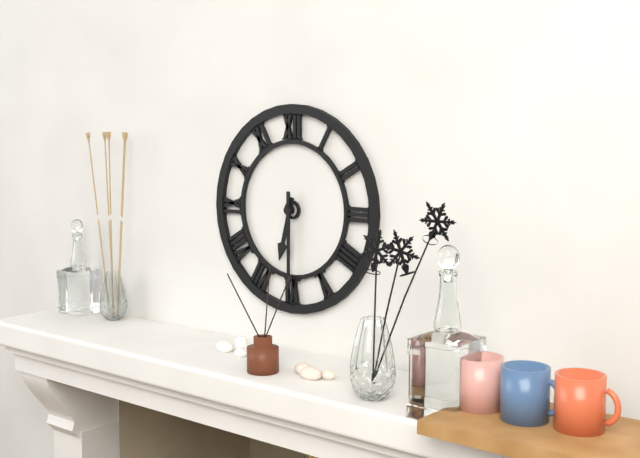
6:30
